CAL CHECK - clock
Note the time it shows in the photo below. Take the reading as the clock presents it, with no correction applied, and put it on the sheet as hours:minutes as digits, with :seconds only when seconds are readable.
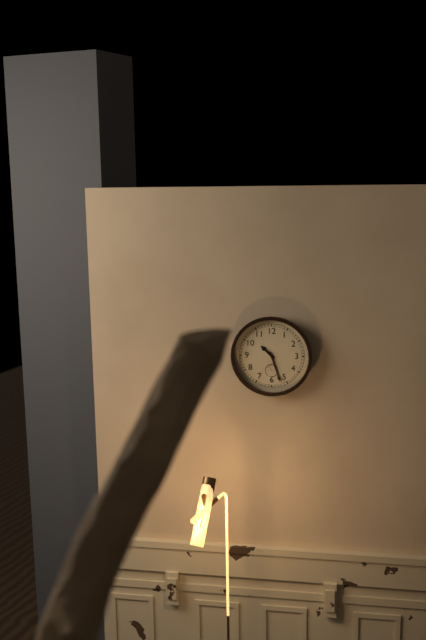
10:27
